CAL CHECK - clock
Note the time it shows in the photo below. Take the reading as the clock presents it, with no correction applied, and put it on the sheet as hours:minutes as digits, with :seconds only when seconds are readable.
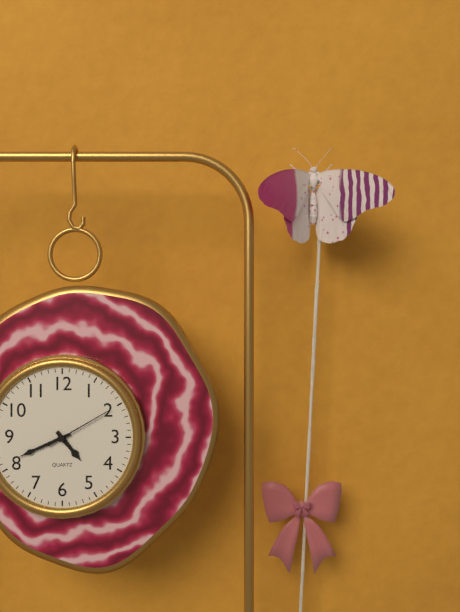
4:41:10
